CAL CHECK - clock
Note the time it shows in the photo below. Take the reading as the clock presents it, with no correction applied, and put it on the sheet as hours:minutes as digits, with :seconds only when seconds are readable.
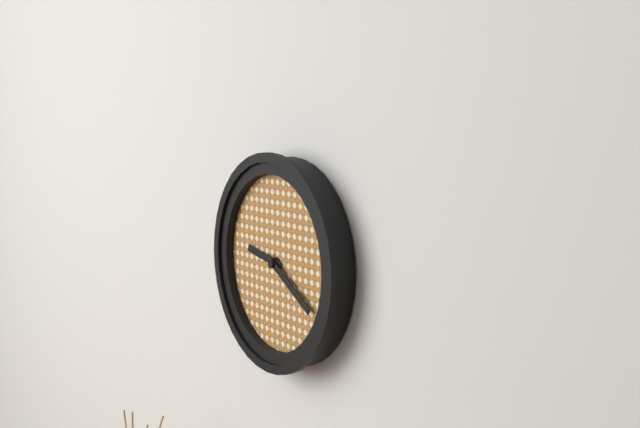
9:20
